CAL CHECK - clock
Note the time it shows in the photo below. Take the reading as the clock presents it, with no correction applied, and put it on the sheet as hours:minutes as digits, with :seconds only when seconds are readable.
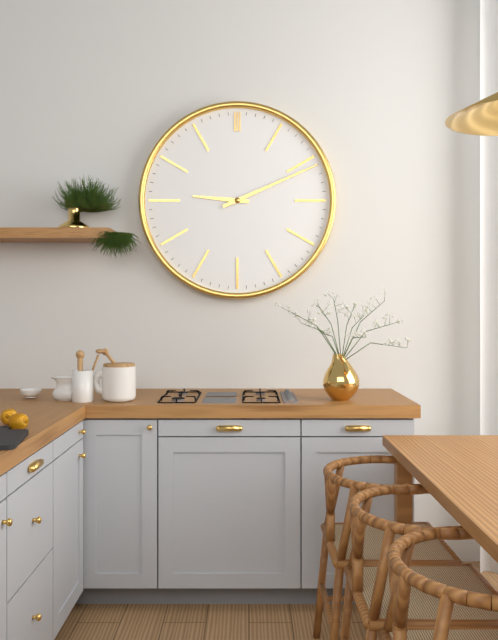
9:11
